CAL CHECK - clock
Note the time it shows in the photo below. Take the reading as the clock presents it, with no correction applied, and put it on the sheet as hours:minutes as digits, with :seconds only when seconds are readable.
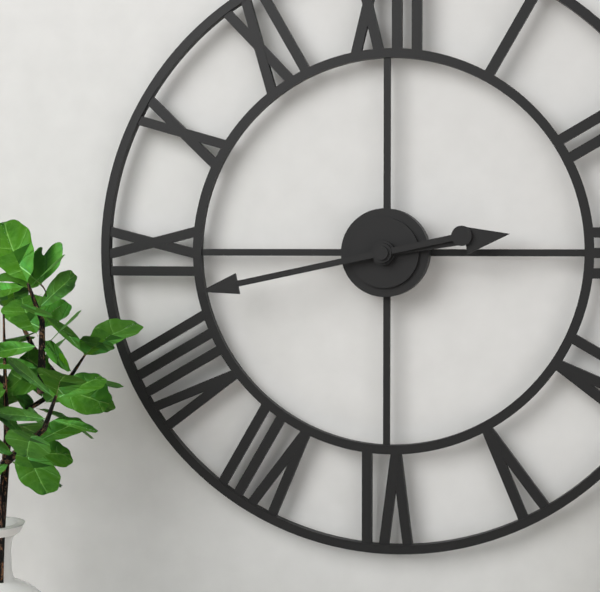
2:43
